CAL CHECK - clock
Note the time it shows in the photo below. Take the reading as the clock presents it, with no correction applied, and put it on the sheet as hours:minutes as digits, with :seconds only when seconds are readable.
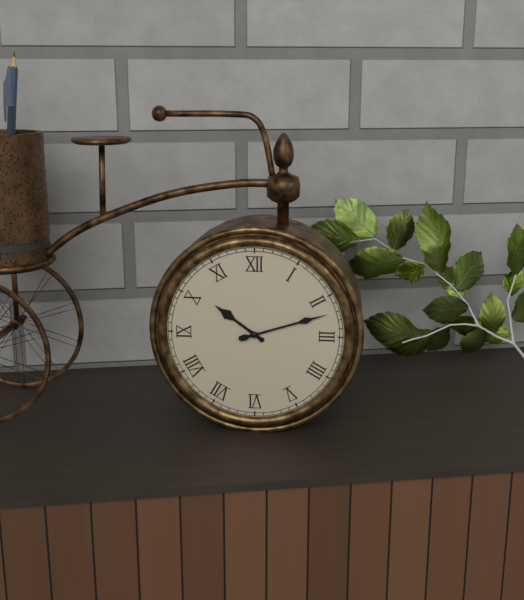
10:12
